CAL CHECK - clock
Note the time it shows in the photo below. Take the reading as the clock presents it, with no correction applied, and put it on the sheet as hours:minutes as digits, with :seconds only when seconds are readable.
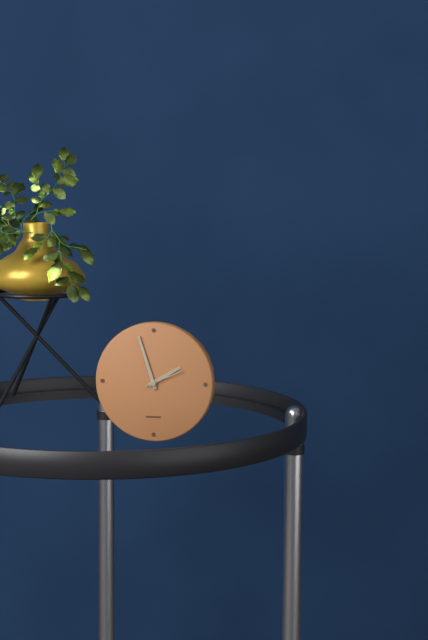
1:57
